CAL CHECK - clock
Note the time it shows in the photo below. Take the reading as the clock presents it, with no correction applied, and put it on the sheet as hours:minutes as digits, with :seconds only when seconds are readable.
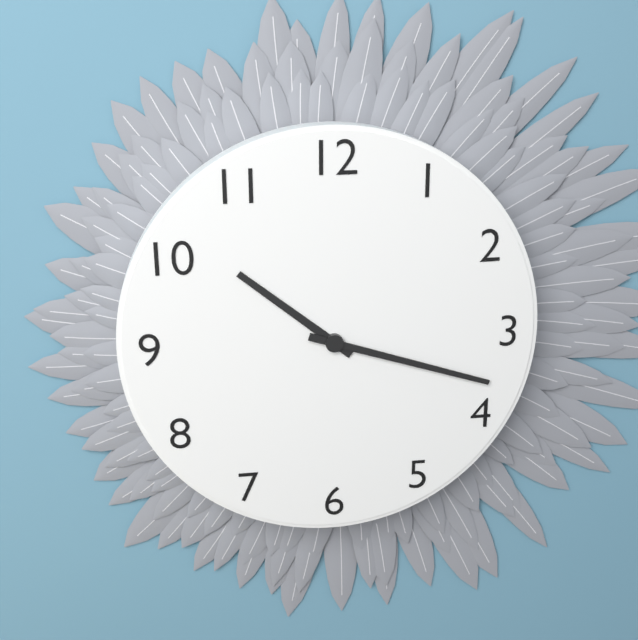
10:18
